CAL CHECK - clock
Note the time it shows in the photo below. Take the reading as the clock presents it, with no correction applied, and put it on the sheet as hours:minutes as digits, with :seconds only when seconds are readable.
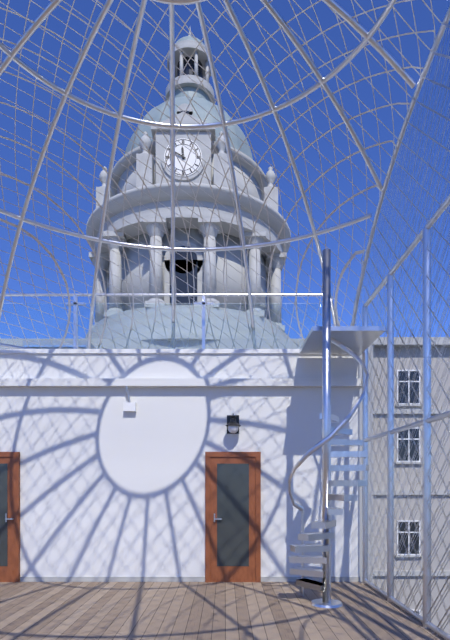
11:50
